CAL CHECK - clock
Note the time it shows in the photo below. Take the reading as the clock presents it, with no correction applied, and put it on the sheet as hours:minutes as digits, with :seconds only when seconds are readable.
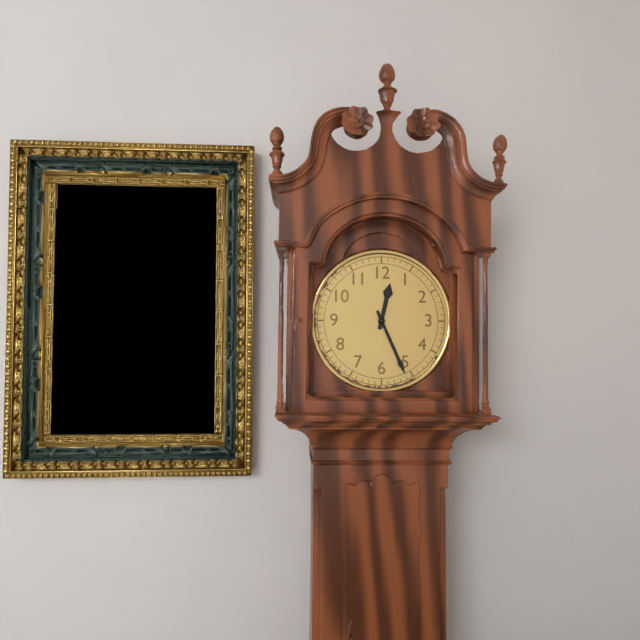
12:26
